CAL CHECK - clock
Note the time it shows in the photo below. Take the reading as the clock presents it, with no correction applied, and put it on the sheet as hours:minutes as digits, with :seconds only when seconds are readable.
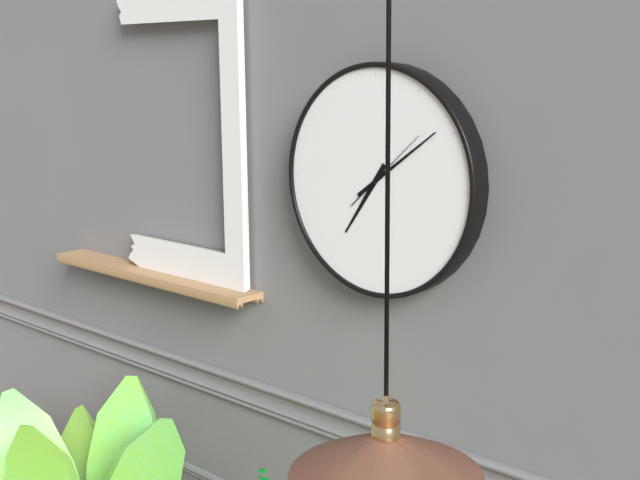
7:09:08
